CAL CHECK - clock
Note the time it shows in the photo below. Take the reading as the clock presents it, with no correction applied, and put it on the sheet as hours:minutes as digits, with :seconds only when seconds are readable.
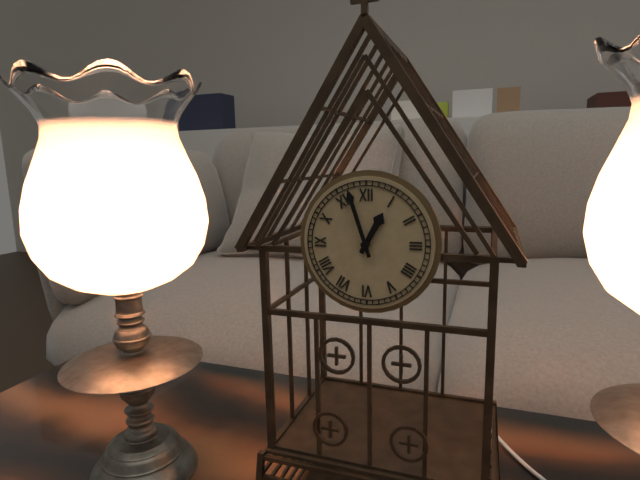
12:57
